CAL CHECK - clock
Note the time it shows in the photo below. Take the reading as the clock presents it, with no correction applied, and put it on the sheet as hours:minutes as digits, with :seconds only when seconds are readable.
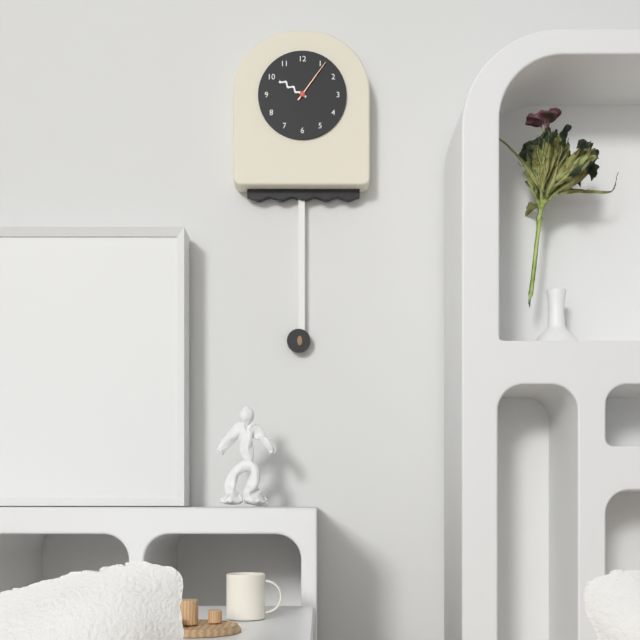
10:06
